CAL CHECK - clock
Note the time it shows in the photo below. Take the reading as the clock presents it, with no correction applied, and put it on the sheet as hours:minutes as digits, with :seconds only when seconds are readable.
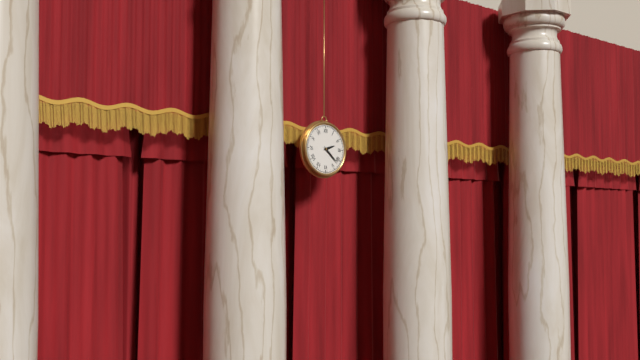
2:22
